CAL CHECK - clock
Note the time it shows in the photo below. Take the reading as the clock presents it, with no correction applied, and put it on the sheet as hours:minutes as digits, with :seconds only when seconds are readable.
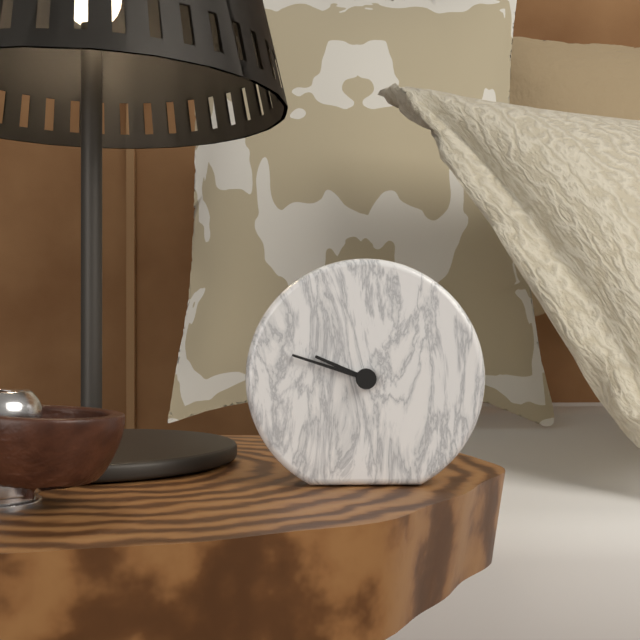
9:48
